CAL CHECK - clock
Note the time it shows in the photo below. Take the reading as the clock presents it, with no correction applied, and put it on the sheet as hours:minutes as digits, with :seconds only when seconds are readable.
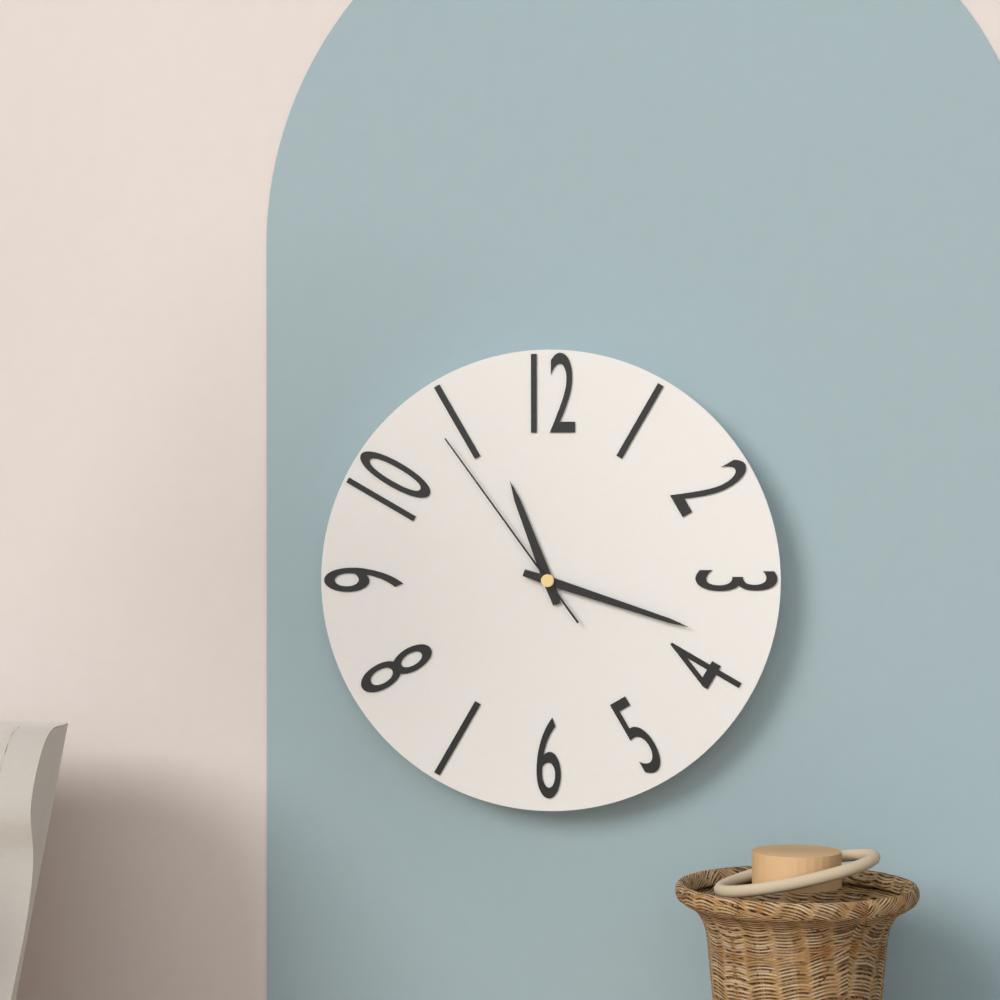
11:18:54
